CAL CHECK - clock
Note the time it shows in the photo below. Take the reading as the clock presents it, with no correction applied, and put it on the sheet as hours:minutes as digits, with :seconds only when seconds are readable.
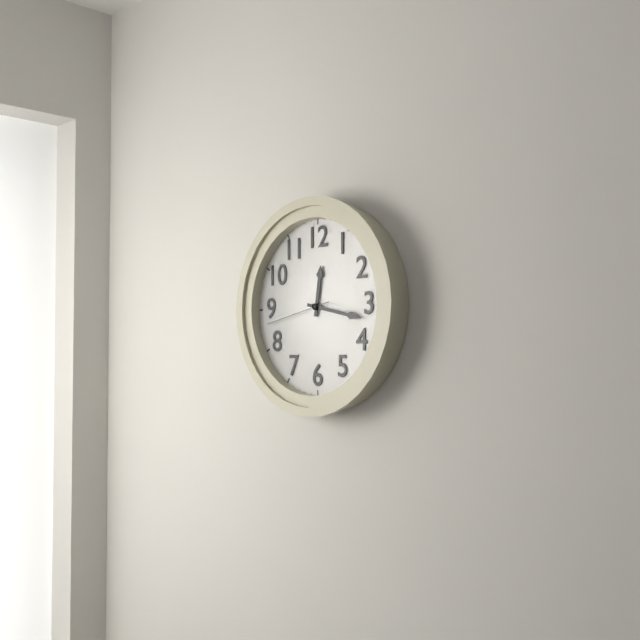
12:17:43
